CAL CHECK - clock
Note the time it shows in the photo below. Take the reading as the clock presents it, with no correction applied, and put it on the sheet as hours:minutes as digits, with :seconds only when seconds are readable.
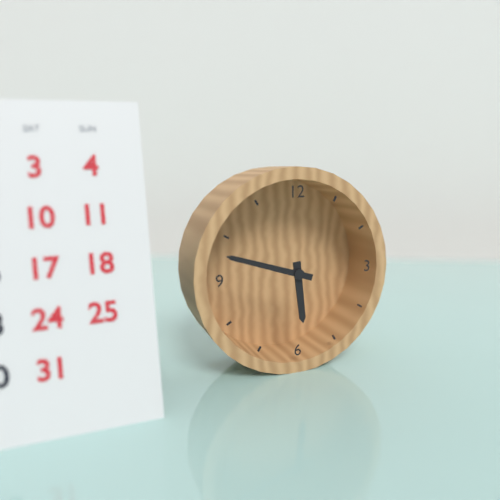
5:48
